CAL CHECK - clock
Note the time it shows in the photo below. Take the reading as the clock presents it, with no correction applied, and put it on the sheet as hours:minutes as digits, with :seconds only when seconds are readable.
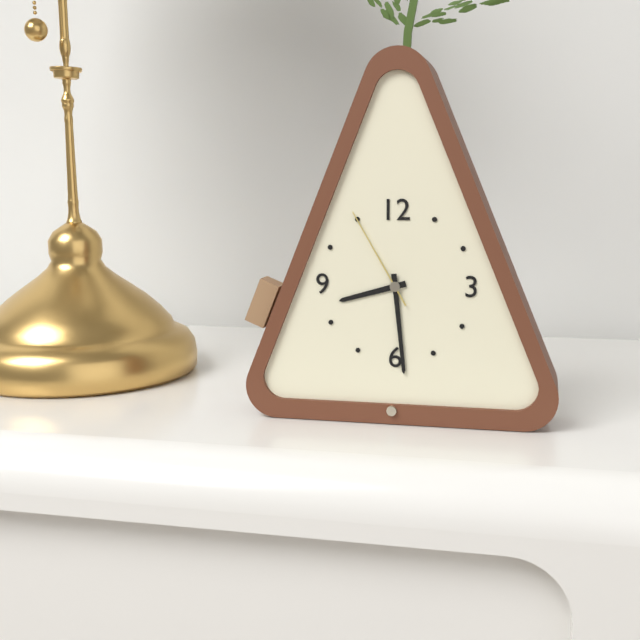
8:29:55
